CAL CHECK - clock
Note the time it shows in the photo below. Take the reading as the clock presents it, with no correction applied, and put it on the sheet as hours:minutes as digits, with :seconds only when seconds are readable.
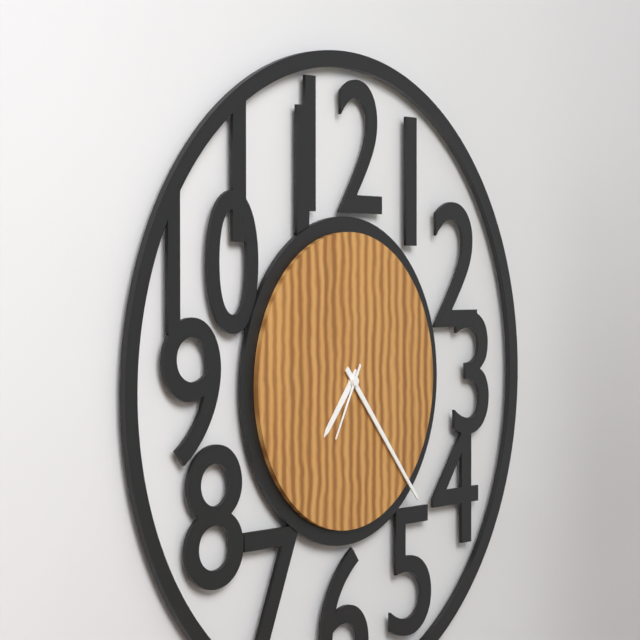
7:23:35
